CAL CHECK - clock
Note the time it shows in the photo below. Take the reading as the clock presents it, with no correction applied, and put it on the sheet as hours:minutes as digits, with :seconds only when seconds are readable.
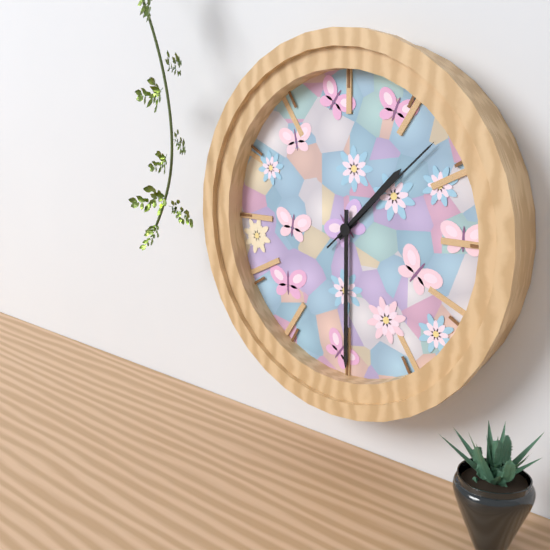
1:30:08
